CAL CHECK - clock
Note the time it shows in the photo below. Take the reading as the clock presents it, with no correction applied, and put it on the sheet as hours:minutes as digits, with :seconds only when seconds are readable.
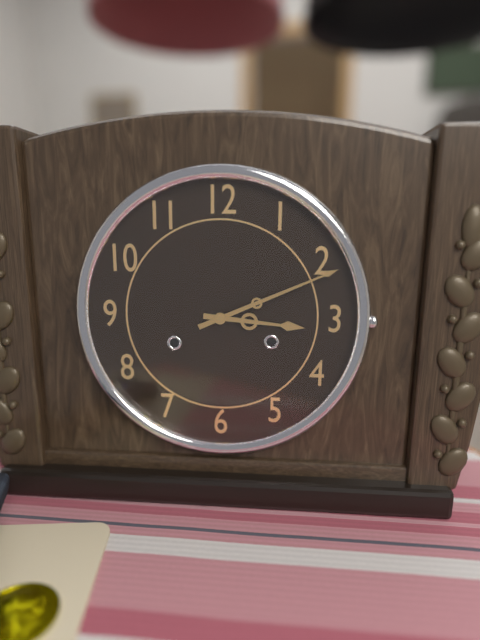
3:11
